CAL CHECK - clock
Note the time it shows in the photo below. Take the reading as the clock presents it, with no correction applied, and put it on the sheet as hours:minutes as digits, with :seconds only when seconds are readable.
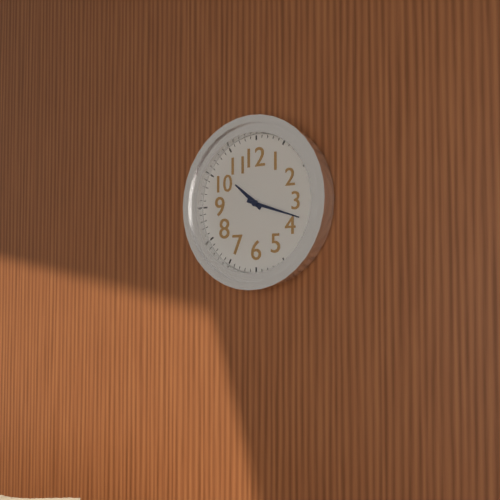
10:18
